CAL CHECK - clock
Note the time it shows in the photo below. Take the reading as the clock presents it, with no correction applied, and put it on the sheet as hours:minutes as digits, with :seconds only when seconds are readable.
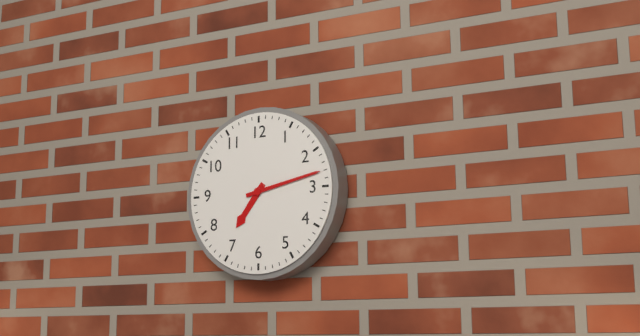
7:13
